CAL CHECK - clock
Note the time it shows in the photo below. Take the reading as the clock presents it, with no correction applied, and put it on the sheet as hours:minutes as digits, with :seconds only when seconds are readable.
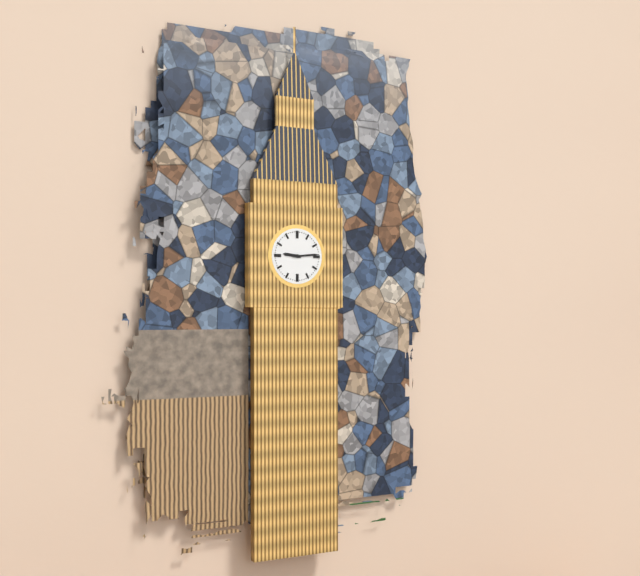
9:14
